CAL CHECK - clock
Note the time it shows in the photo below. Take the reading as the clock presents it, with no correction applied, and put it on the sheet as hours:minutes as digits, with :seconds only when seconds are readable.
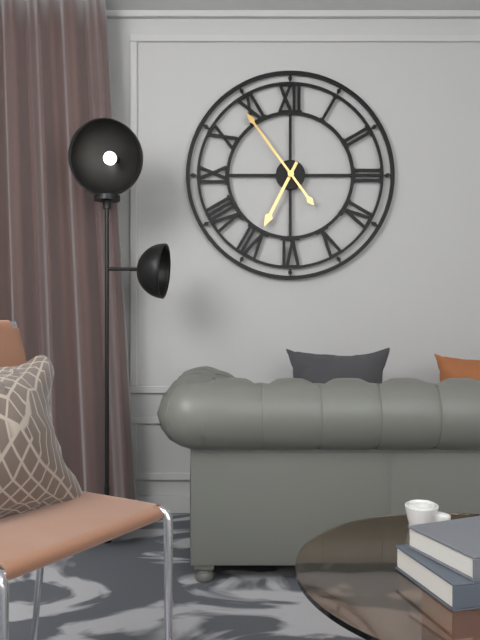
6:54
